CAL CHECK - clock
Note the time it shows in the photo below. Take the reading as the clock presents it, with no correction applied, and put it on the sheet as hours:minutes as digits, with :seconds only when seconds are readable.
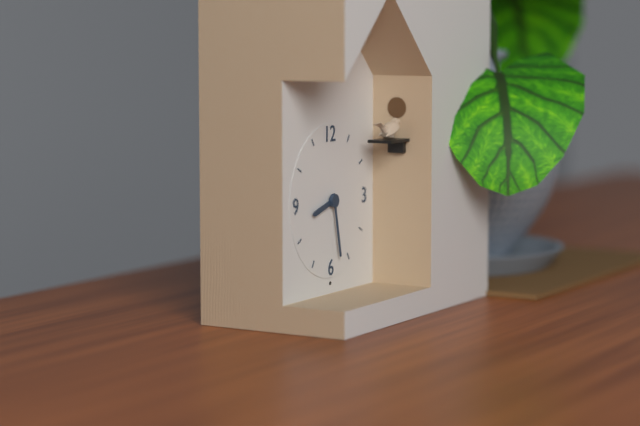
8:28
